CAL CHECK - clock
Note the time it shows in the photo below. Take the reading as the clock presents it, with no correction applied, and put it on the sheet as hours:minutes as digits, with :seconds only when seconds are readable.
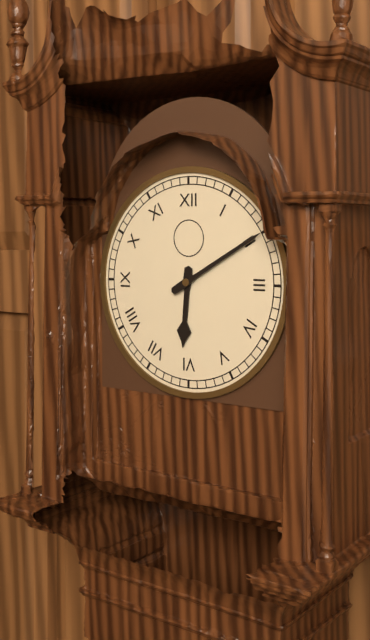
6:10
